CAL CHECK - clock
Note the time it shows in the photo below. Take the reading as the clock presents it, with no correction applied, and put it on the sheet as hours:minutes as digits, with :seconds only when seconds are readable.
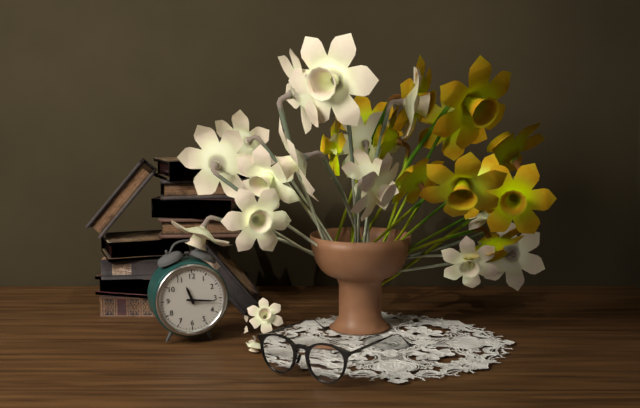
11:16
